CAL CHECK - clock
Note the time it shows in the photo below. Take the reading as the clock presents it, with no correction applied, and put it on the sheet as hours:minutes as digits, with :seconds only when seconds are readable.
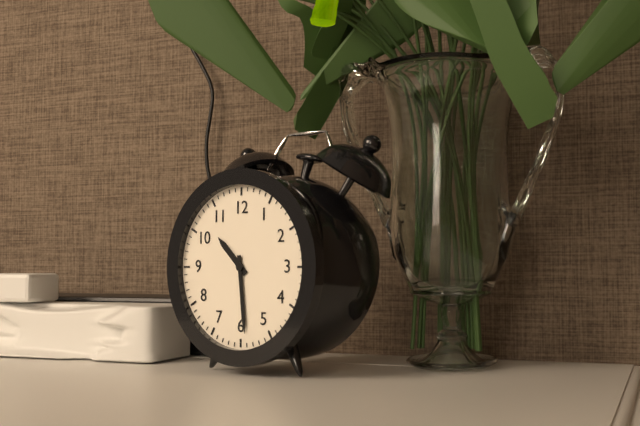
10:29
